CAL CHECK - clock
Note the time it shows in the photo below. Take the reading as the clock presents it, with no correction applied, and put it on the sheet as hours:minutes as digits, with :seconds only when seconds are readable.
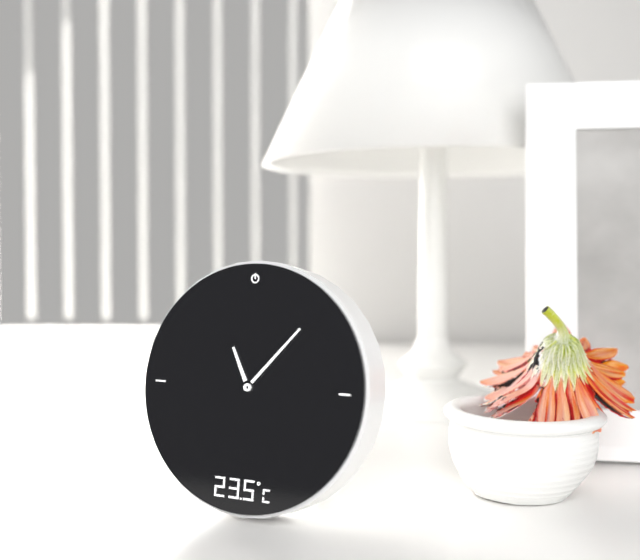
11:07
